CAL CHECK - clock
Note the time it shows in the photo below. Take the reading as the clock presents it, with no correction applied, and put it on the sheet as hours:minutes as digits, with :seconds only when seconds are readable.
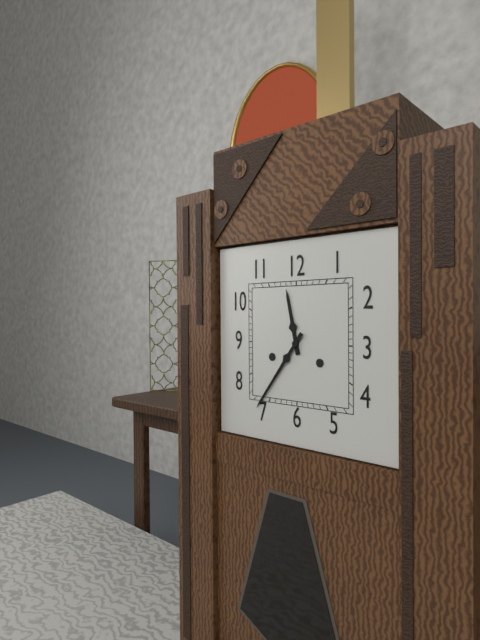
11:36
